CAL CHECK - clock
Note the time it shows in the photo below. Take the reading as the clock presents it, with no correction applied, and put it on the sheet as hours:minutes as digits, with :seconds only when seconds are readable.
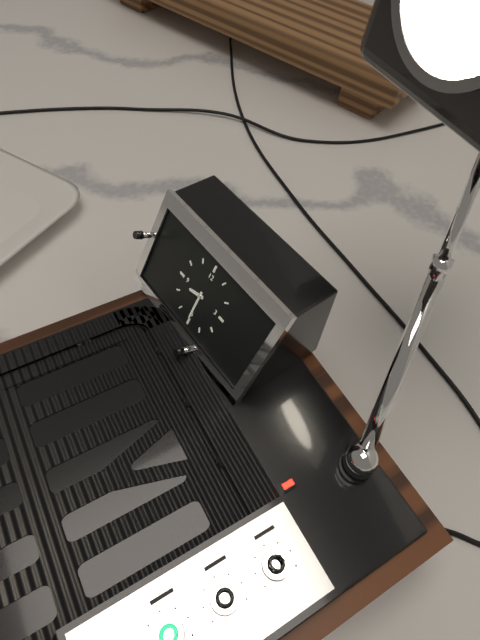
8:30
